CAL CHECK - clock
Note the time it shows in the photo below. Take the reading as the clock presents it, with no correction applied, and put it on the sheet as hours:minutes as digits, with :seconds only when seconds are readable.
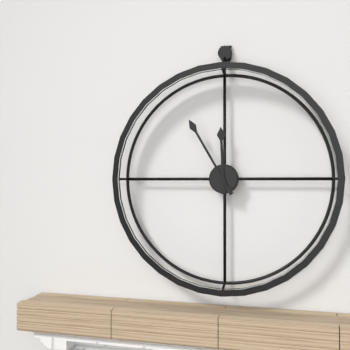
11:55
